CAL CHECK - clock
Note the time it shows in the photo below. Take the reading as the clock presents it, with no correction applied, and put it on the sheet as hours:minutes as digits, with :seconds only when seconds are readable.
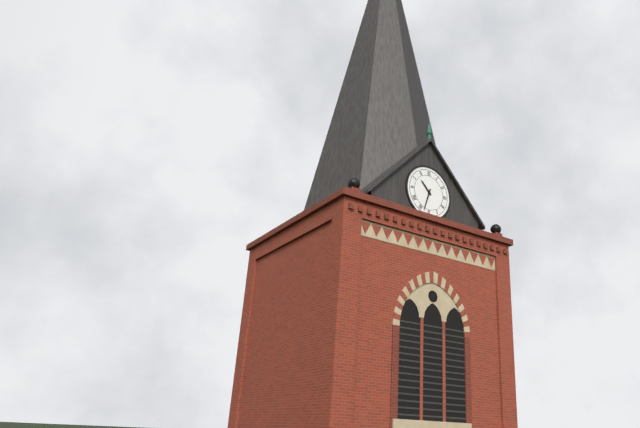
10:33
